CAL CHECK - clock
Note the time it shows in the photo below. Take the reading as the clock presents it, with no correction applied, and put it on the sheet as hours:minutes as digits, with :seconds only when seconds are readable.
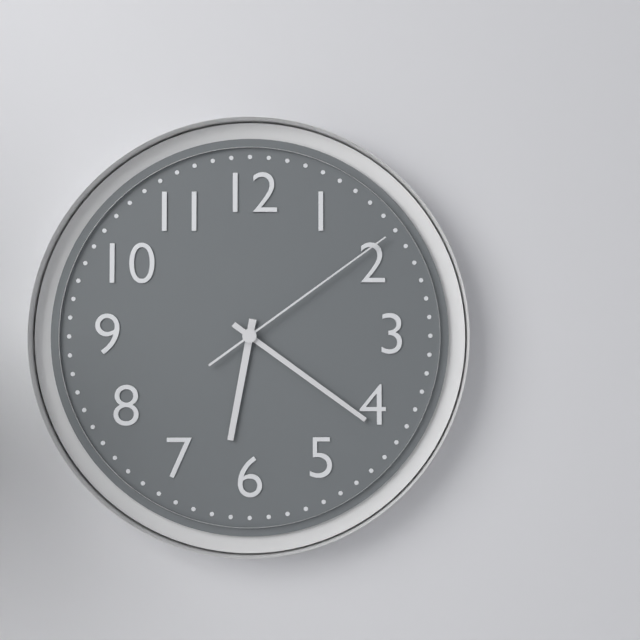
6:21:09
